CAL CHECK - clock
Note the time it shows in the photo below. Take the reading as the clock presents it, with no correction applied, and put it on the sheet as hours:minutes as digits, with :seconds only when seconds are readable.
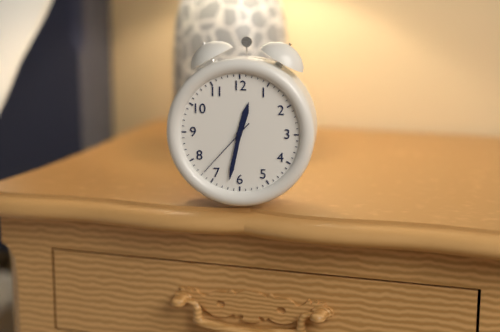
12:32:37
